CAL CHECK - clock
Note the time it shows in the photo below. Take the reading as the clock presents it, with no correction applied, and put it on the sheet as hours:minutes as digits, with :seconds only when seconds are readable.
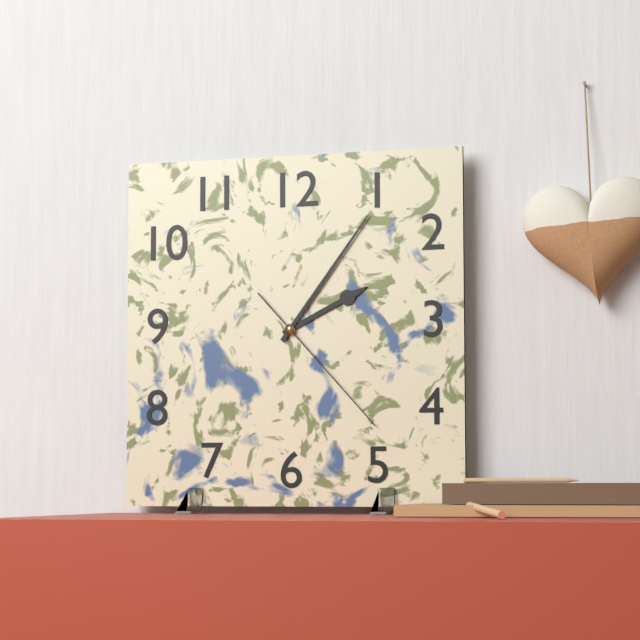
2:06:23
